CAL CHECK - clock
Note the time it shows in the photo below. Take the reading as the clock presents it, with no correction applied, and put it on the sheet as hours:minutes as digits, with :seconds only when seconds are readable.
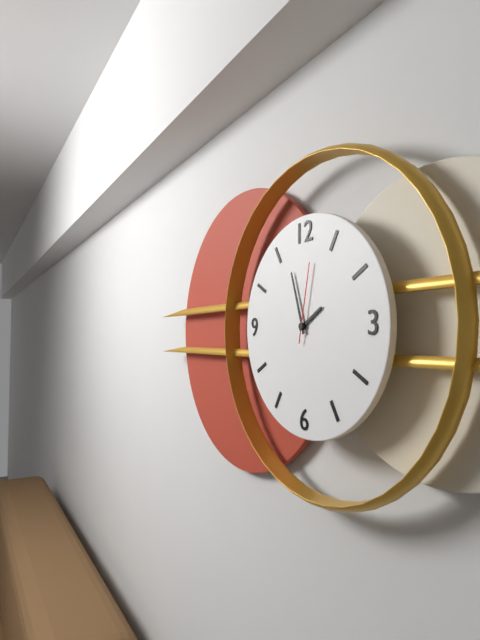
1:57:02
